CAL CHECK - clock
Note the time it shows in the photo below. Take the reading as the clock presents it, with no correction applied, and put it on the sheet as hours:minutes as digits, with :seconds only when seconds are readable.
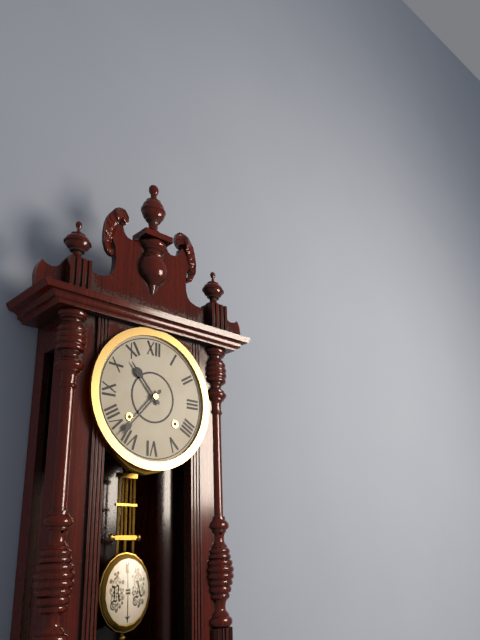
10:37
